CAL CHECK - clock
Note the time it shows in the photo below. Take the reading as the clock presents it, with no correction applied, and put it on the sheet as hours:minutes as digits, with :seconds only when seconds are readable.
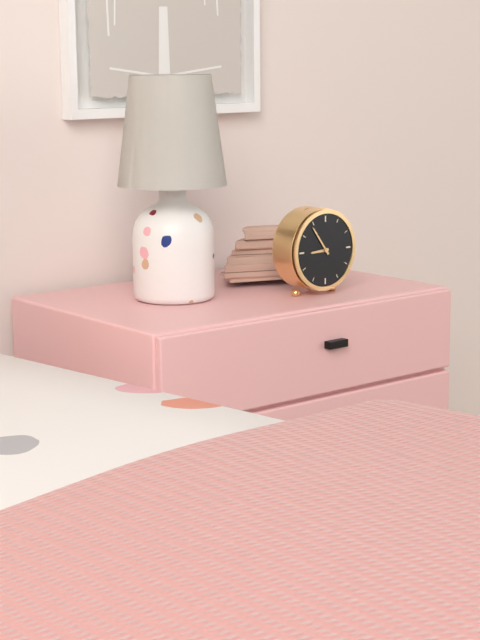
8:54
